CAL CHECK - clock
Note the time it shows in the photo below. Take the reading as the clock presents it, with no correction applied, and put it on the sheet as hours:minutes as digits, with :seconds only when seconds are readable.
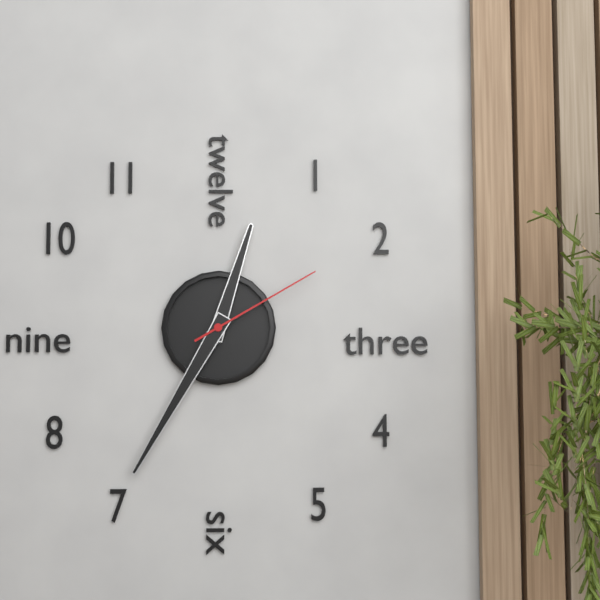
12:35:10
